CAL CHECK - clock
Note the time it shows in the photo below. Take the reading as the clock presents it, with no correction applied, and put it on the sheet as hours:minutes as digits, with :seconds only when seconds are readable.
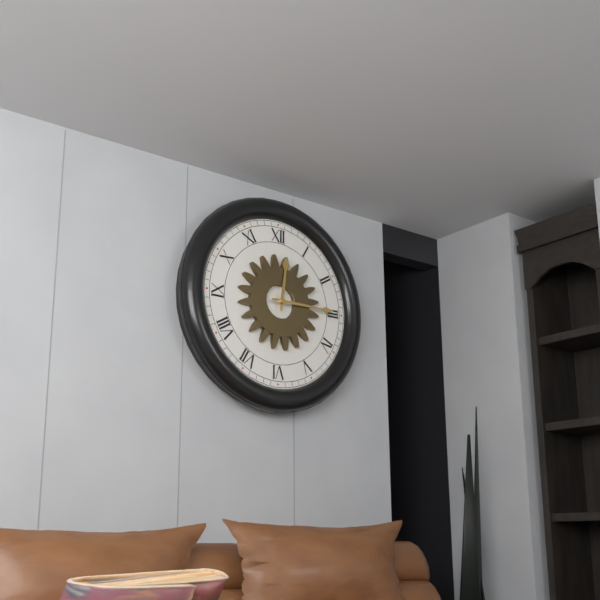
12:15
